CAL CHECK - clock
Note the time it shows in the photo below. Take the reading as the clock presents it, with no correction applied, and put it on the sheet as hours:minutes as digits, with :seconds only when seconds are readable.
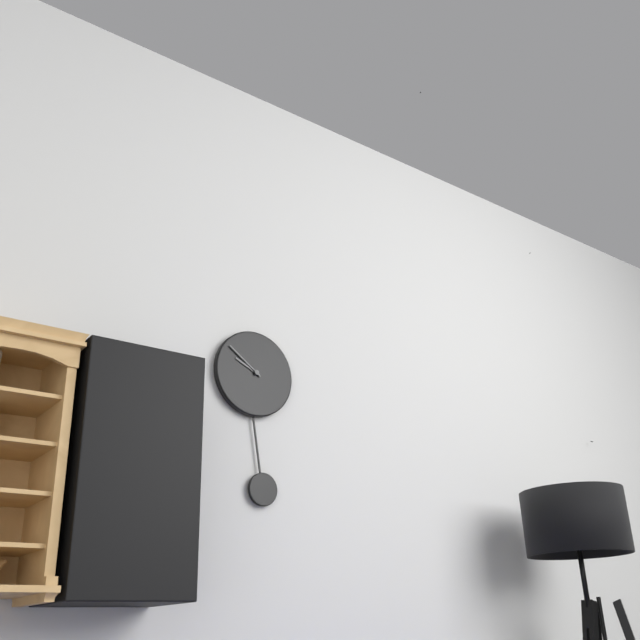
9:51
